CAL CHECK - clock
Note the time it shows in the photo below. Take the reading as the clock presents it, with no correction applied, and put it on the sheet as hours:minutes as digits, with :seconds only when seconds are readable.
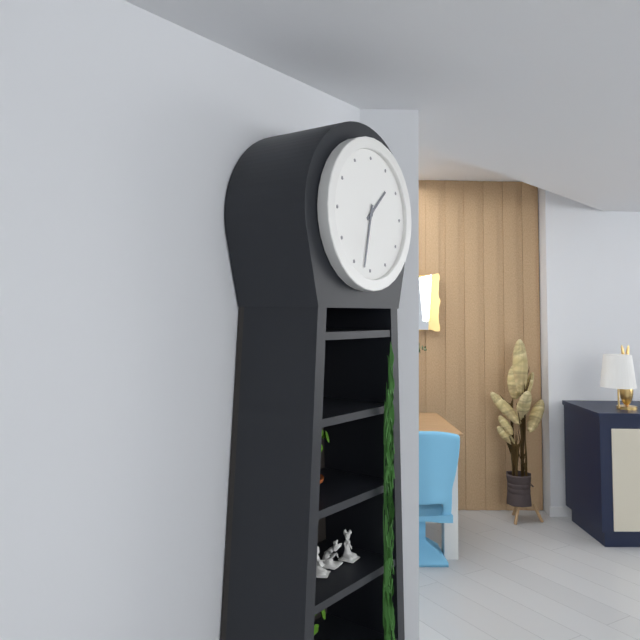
1:32
